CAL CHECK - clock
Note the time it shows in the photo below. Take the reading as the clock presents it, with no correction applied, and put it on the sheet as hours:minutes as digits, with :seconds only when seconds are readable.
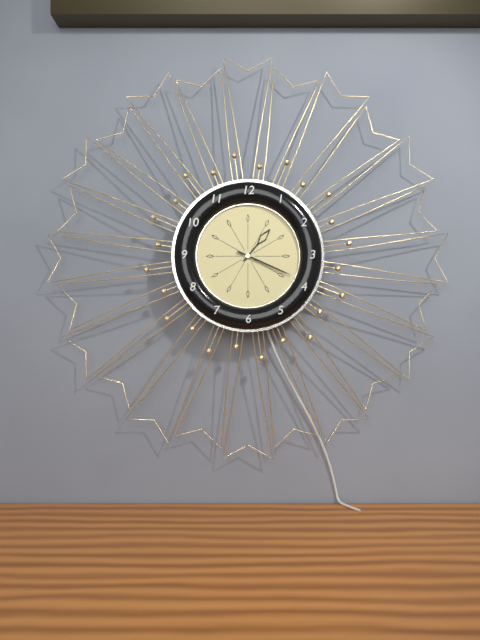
1:19
